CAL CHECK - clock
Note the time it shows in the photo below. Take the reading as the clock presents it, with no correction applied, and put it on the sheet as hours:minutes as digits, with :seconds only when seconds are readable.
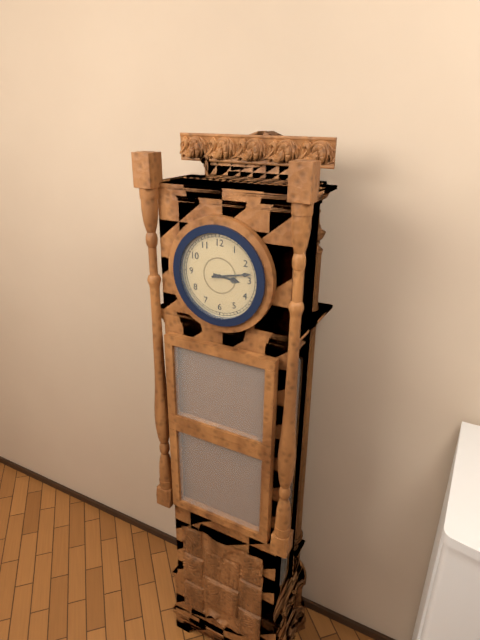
3:13
